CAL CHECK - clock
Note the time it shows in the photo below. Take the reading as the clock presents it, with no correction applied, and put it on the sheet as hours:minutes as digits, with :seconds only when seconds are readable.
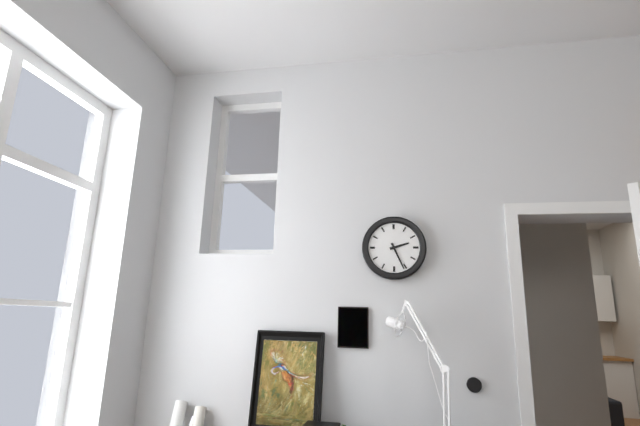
2:26
